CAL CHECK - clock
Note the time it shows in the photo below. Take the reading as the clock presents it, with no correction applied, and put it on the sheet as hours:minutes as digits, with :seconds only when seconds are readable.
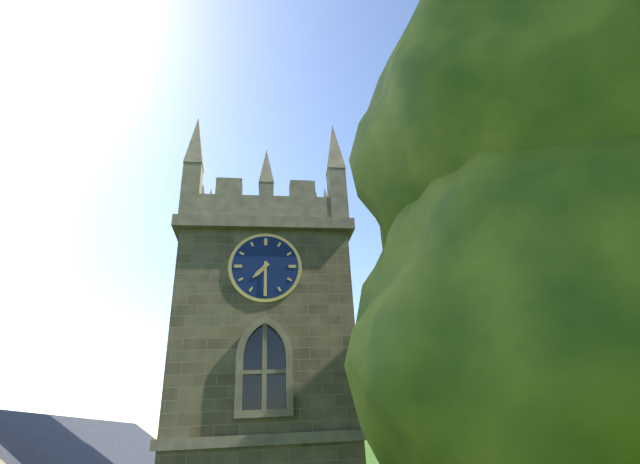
7:30
